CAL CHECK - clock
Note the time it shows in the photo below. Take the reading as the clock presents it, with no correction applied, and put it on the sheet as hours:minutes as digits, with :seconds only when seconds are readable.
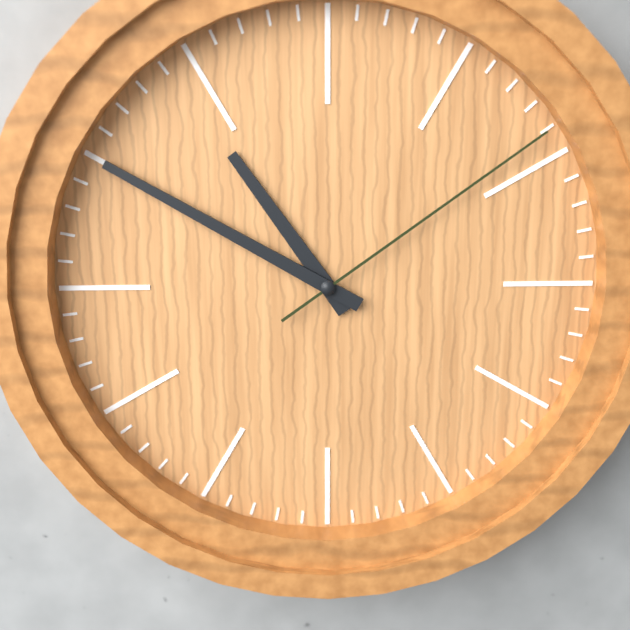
10:50:09
